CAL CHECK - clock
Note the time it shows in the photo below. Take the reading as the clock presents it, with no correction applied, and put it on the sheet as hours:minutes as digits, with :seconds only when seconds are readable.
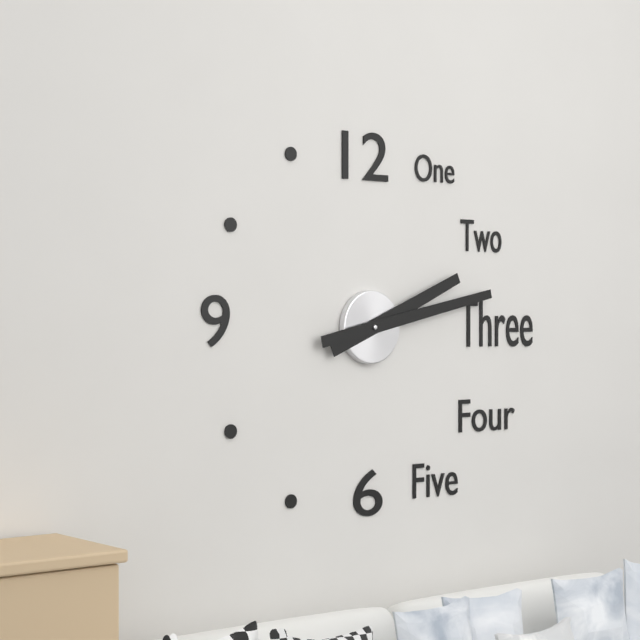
2:13
